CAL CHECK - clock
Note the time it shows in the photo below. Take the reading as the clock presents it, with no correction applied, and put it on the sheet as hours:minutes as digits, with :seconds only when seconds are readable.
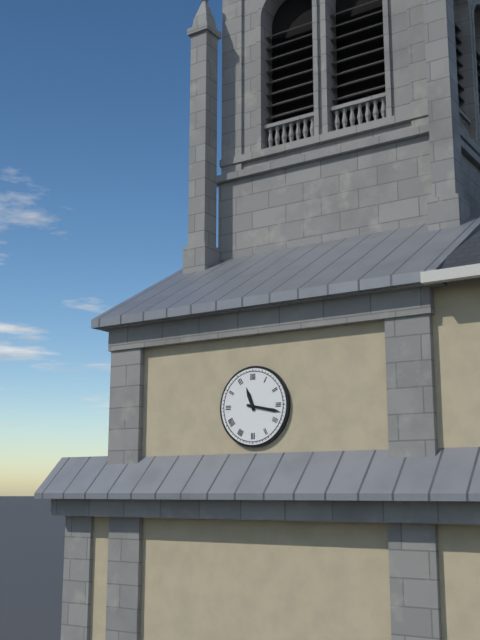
11:17
